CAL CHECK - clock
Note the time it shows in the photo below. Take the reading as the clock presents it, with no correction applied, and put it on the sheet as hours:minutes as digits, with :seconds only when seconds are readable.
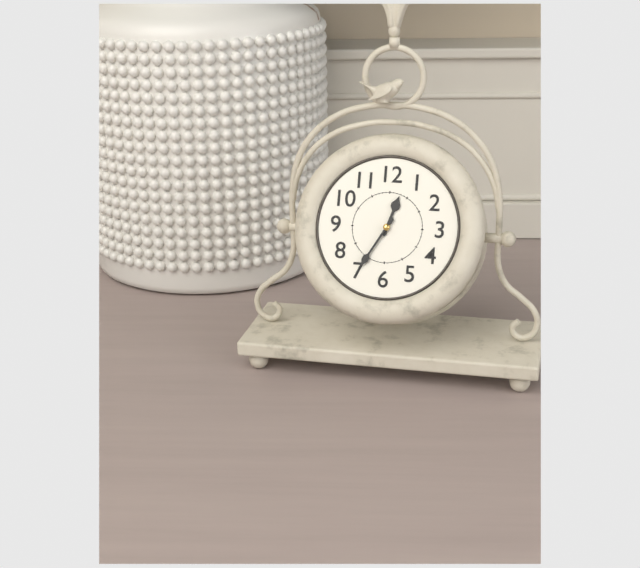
12:35
